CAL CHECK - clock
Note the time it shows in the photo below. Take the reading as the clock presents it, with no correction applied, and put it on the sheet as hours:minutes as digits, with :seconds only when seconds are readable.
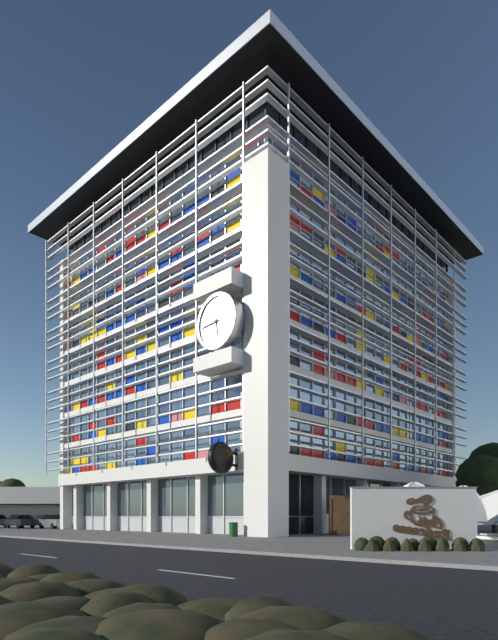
5:44
